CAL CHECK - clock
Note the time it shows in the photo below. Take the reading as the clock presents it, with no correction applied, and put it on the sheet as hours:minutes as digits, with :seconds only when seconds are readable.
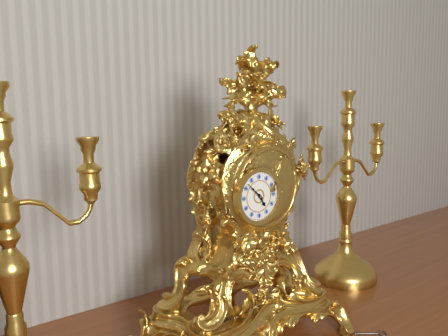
4:52
